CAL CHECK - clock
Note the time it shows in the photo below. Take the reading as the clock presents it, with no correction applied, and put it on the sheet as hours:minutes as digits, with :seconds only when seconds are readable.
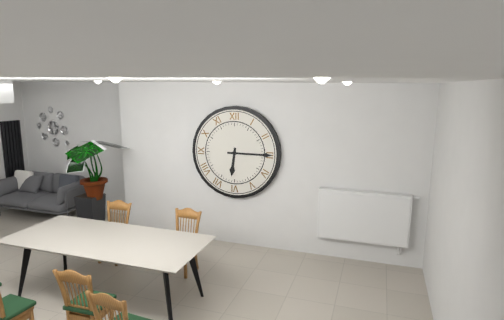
6:15
